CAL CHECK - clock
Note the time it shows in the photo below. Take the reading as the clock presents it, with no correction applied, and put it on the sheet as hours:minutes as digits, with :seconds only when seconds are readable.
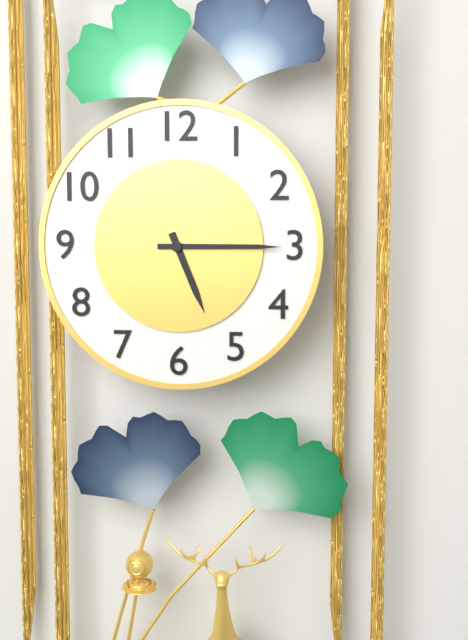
5:15
